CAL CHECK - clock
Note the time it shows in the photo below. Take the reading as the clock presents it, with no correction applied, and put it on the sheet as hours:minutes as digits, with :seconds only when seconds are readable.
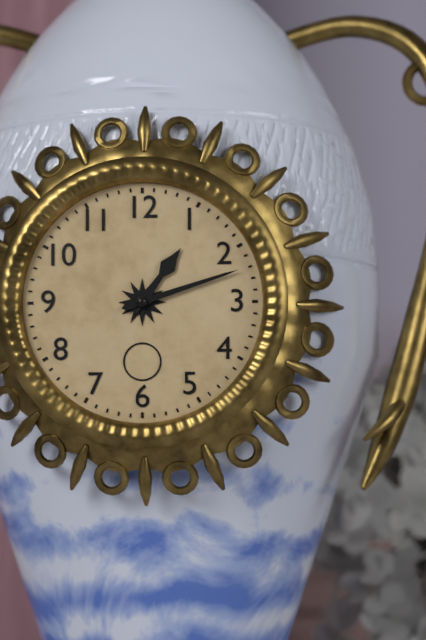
1:12
